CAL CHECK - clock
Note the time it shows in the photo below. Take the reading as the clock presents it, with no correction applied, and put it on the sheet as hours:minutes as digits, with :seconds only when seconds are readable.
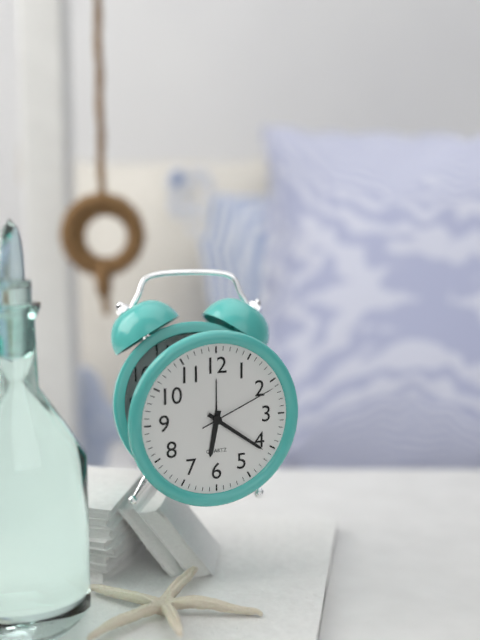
6:21:11
